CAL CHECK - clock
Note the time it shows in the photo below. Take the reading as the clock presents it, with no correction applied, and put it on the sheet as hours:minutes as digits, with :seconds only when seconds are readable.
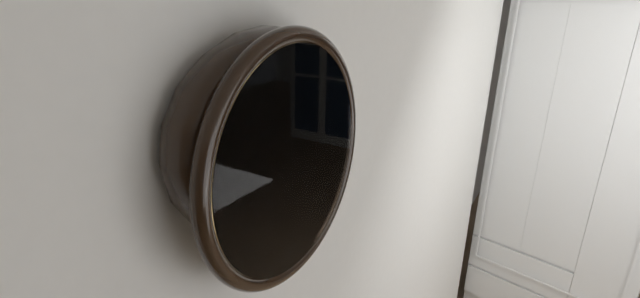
5:54:27
